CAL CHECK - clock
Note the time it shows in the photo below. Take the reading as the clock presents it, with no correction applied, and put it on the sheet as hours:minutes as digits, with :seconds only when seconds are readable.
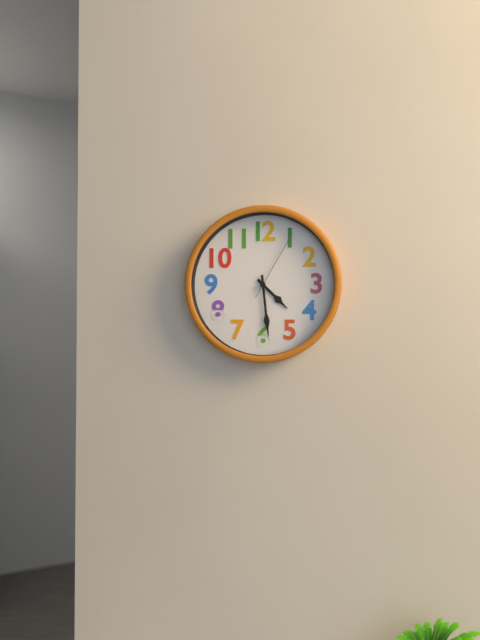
4:29:05
